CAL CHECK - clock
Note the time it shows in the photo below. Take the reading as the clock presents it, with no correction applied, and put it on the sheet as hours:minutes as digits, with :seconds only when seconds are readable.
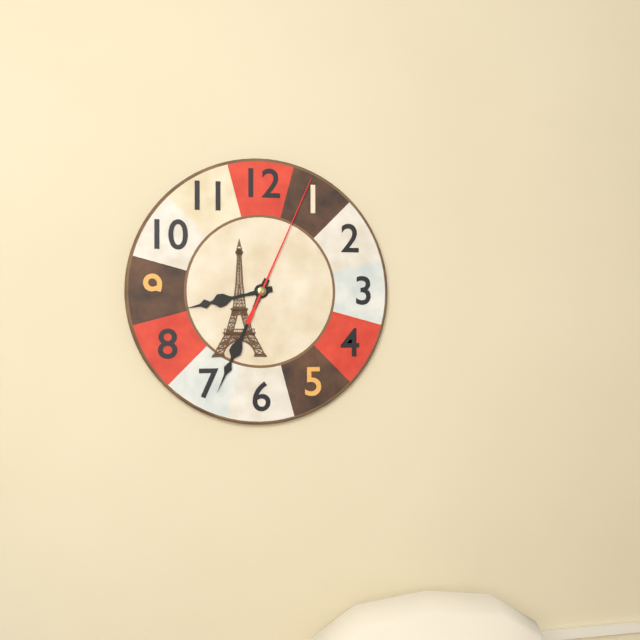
8:34:04
